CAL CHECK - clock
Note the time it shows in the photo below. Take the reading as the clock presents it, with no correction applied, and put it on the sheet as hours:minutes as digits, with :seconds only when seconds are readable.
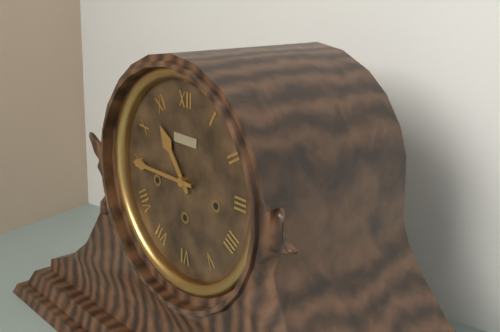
10:45
